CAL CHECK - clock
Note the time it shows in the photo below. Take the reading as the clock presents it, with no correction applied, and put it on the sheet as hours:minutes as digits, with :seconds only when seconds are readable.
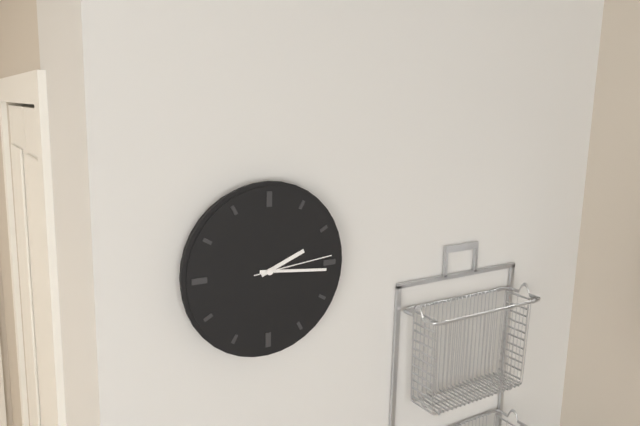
2:16:14
